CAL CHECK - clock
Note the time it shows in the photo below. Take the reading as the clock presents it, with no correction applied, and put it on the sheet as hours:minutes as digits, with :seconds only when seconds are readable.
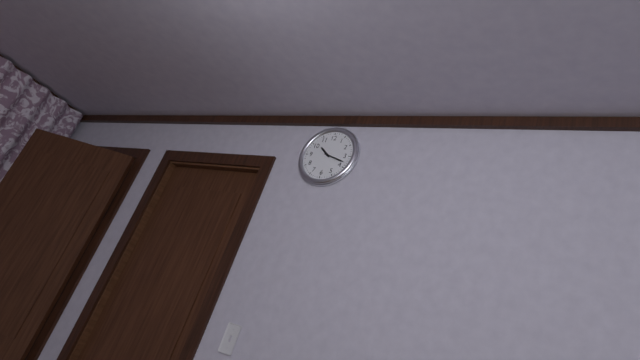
10:18
